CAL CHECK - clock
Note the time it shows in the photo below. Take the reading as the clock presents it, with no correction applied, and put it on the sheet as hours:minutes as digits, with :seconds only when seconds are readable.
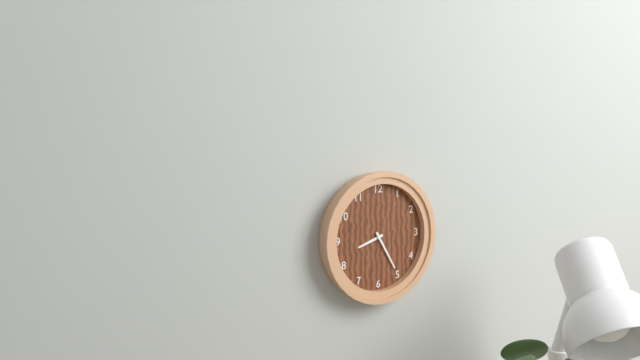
8:25
